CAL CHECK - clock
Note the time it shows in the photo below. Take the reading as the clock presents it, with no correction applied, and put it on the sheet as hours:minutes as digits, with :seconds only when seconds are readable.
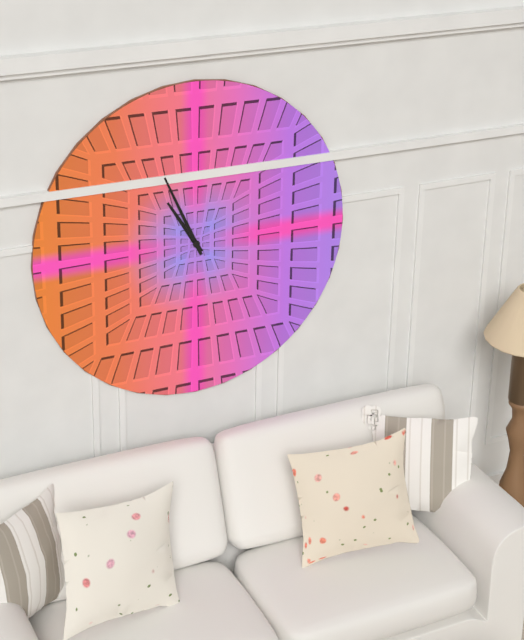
10:56
